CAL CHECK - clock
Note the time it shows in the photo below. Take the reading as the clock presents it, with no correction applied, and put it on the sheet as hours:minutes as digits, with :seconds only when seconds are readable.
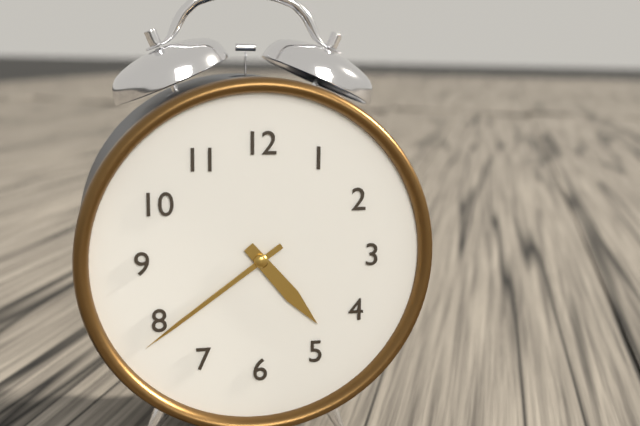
4:39
